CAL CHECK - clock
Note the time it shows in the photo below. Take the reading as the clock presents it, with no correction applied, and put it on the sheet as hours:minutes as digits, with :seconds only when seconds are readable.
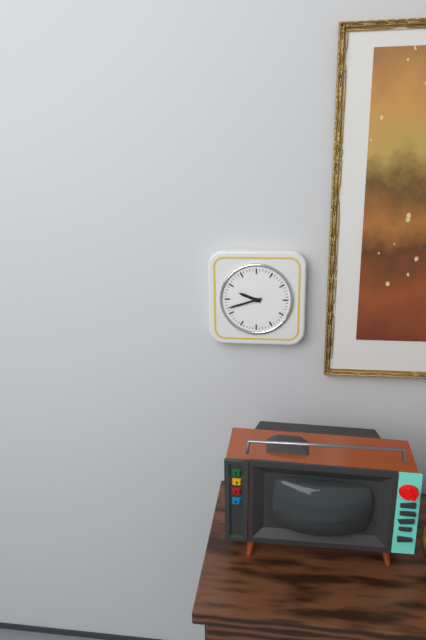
9:42
